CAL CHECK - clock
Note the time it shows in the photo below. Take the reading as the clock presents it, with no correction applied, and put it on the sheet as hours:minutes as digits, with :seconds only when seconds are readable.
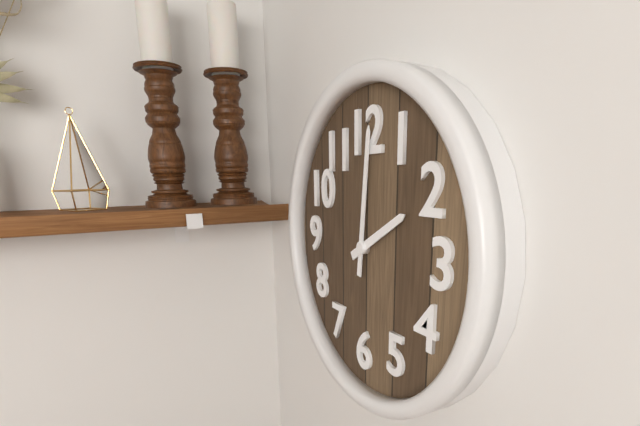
2:01
